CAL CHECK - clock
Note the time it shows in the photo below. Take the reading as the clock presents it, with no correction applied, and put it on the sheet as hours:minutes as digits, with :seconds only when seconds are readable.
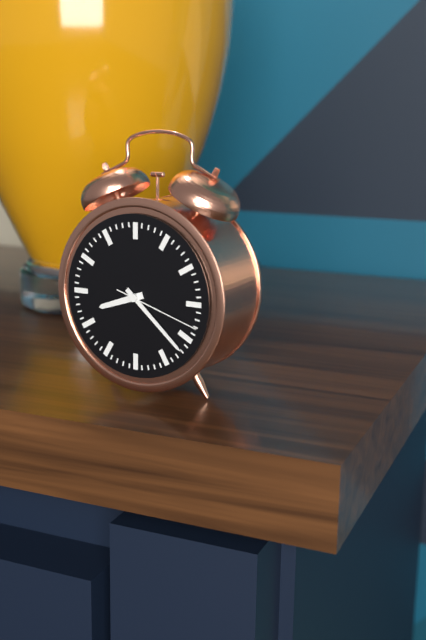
8:22:18
